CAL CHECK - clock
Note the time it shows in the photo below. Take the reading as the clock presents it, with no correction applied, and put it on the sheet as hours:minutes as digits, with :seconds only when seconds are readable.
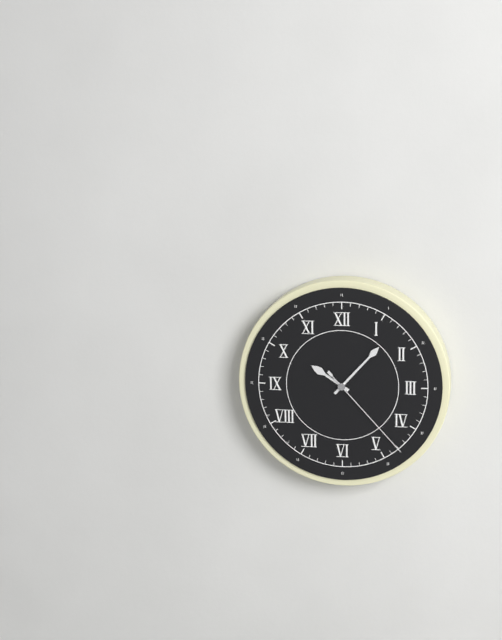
10:07:23
